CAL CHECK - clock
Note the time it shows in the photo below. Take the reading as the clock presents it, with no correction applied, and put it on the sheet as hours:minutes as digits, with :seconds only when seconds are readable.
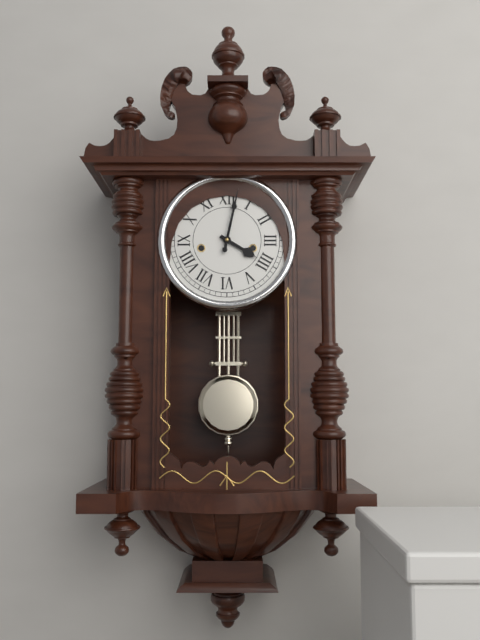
4:02
